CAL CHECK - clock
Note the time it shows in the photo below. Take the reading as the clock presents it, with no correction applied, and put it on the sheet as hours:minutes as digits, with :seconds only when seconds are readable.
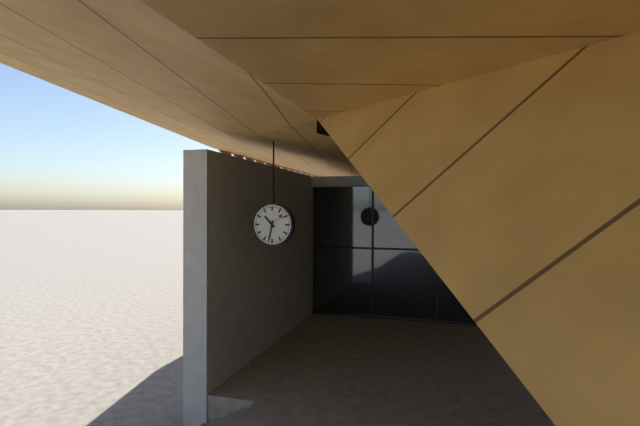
10:32
